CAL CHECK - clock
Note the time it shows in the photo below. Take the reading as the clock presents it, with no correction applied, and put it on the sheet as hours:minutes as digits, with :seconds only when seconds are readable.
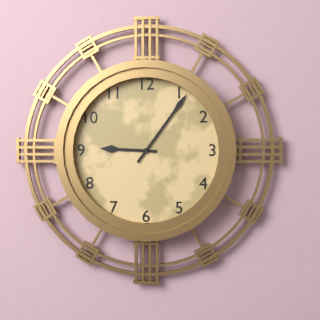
9:06
